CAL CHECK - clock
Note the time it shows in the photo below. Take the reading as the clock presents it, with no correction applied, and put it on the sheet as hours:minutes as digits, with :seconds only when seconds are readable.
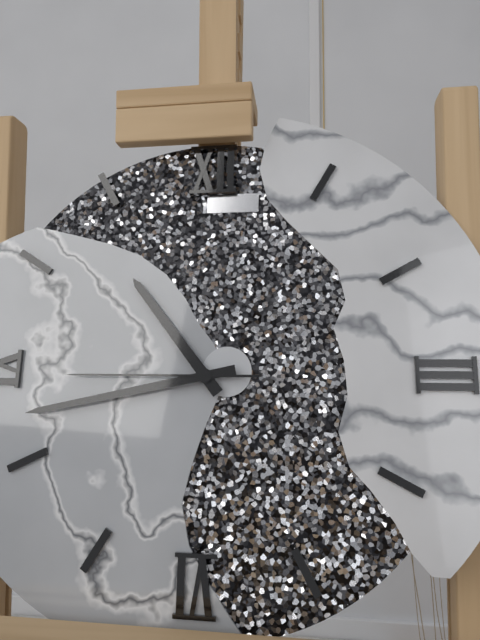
10:43:45
